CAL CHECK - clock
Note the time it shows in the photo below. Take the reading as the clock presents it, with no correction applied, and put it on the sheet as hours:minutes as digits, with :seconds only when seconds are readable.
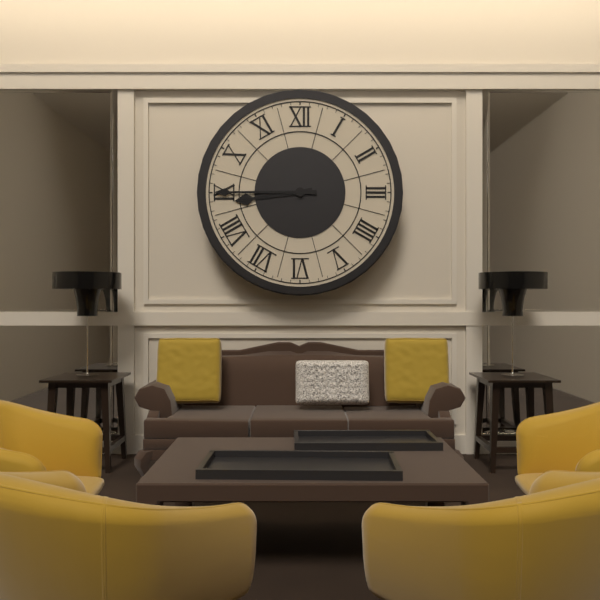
8:45
